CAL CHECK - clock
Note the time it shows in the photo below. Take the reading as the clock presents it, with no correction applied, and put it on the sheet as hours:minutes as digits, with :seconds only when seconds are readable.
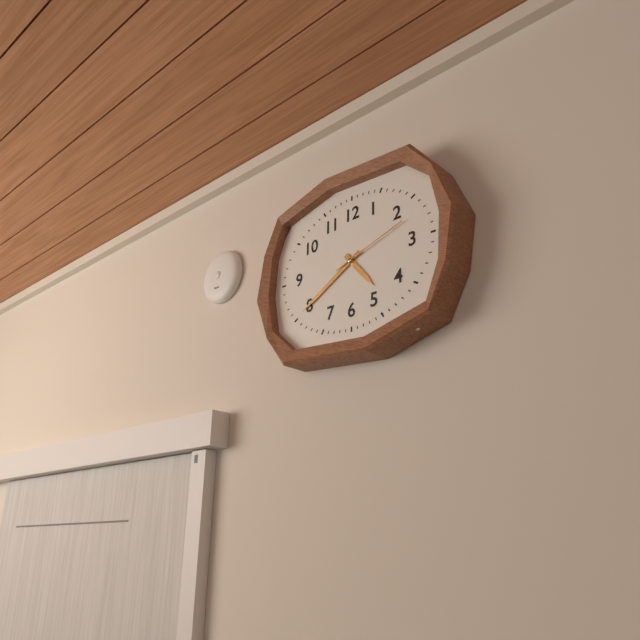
4:40:12
